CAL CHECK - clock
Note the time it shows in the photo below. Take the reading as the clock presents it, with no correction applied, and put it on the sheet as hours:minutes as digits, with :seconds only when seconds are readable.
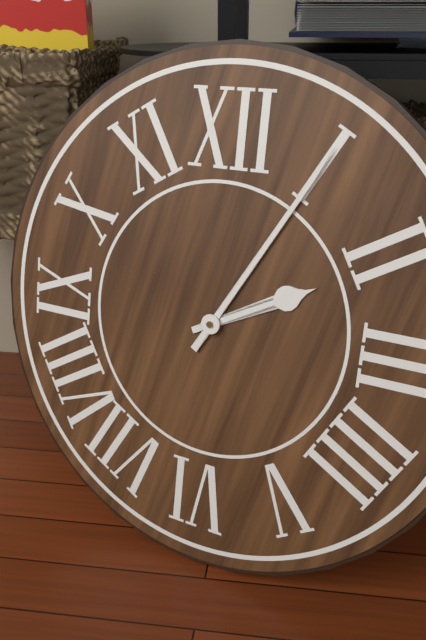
2:05
